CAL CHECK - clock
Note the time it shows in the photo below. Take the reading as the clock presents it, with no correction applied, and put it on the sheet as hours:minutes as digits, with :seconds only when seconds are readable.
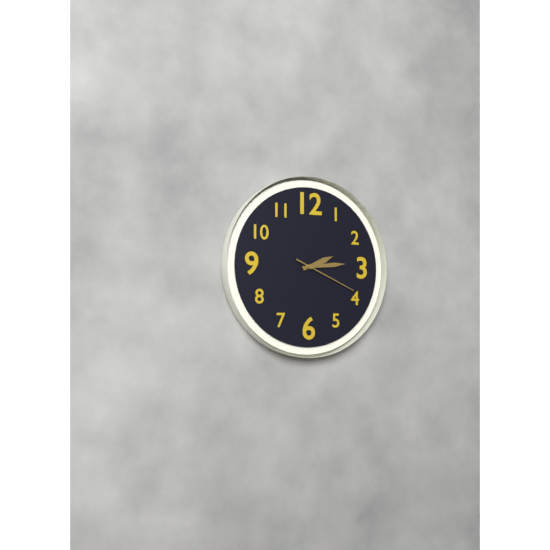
2:14:19
